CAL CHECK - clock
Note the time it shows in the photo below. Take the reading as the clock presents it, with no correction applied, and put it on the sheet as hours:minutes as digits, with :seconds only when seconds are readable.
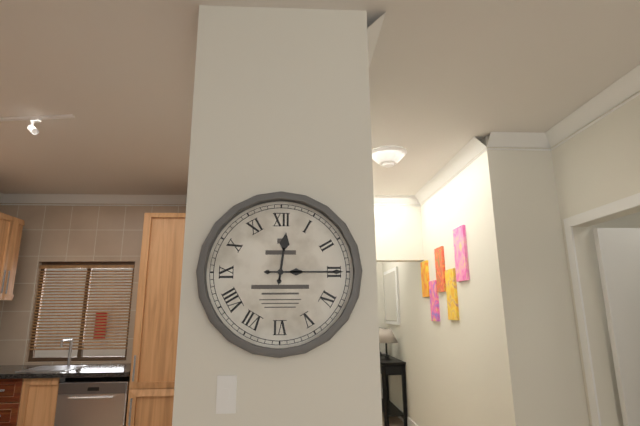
12:15
